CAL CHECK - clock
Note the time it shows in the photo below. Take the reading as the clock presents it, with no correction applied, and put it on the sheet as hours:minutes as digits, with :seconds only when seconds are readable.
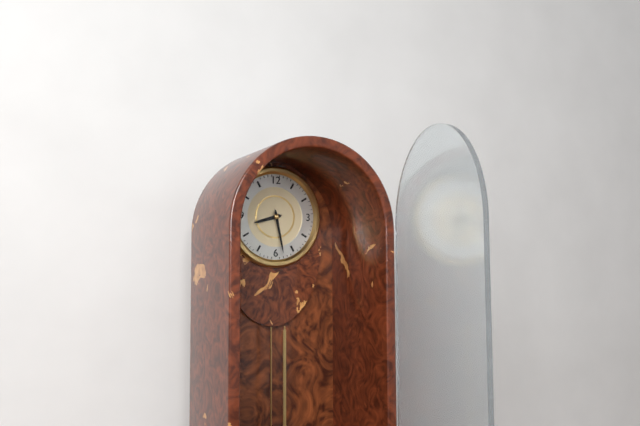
8:28
